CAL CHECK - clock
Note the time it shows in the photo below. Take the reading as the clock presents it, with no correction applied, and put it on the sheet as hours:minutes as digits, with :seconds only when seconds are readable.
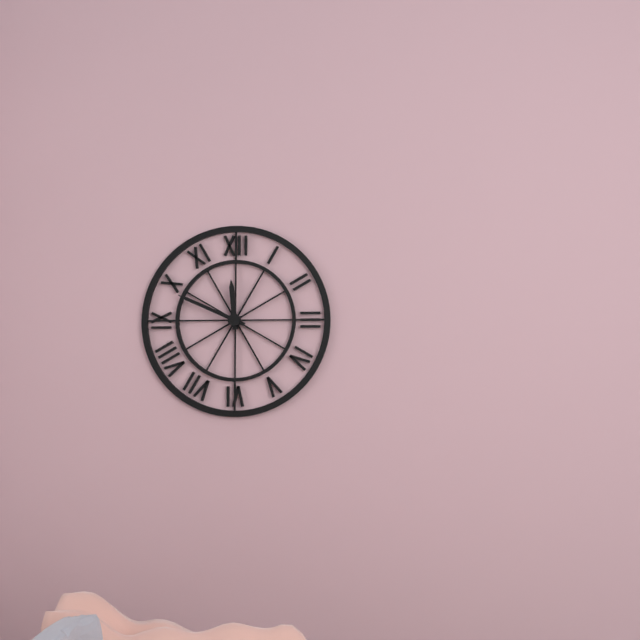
11:49
